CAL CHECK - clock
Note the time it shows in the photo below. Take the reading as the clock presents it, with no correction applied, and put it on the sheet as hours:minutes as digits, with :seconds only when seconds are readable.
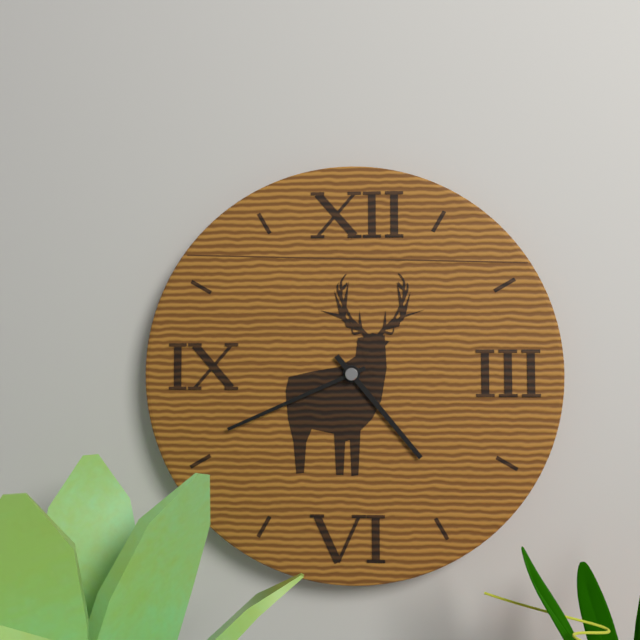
4:41
